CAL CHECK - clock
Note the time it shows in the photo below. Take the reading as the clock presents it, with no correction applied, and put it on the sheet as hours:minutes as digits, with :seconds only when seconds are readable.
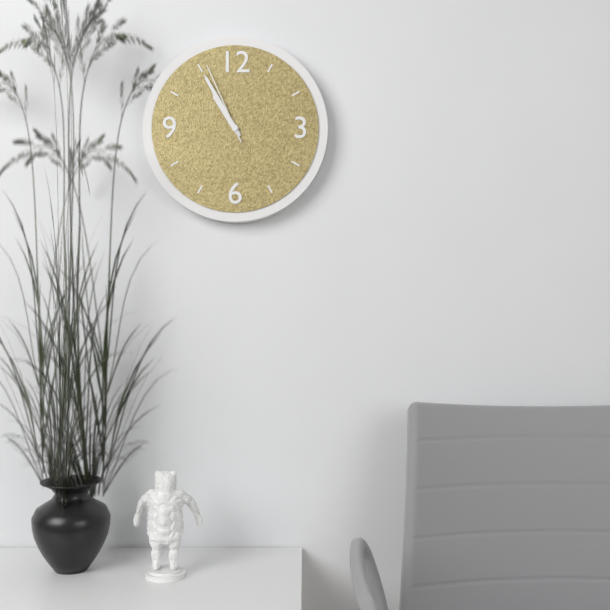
10:55:56
